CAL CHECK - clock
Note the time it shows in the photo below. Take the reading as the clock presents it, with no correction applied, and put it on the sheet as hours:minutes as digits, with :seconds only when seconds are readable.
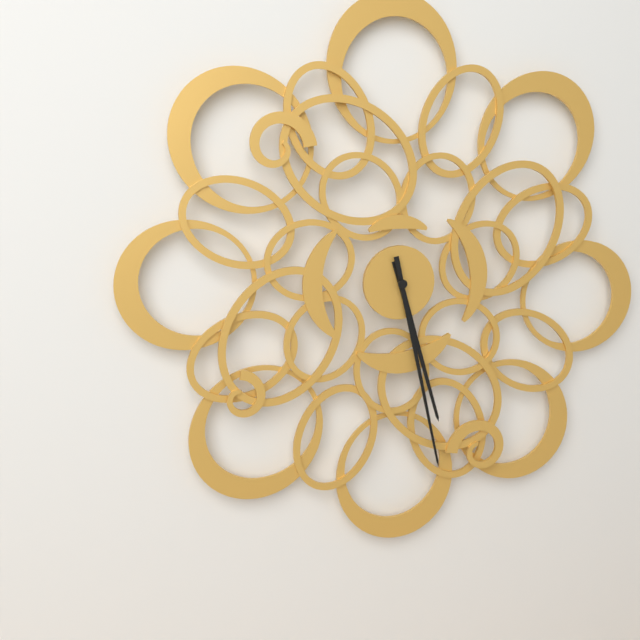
5:28
